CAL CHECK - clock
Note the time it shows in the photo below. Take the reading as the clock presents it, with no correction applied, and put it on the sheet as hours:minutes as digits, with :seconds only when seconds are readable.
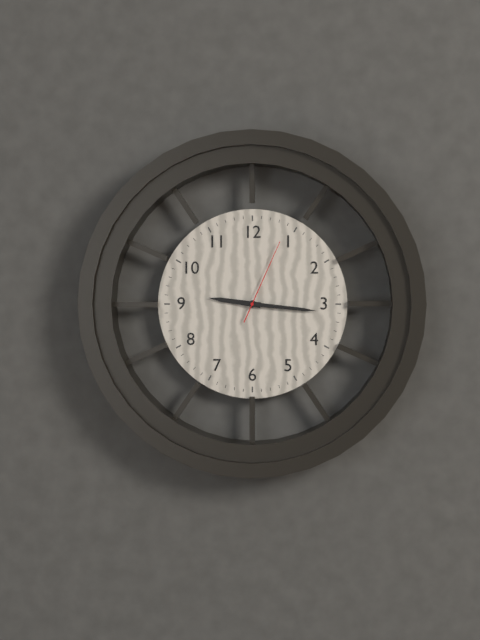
9:16:04
